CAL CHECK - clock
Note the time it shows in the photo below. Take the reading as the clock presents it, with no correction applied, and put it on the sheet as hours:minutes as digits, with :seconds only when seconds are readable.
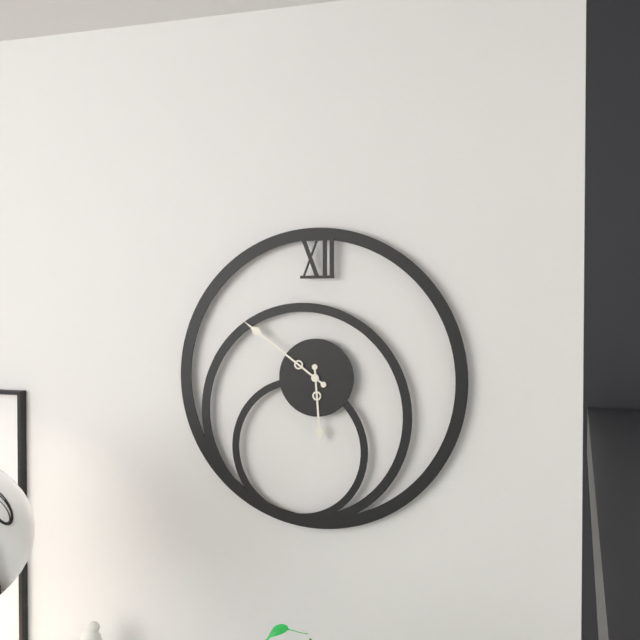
5:51
